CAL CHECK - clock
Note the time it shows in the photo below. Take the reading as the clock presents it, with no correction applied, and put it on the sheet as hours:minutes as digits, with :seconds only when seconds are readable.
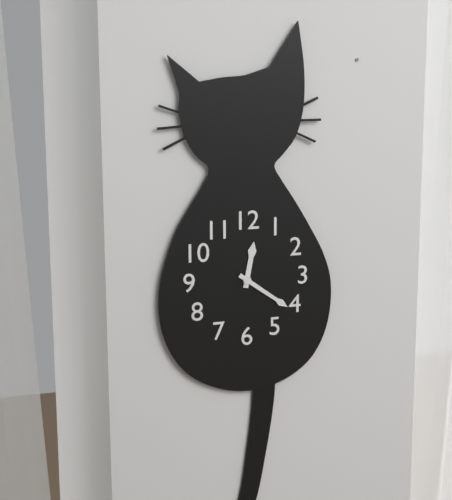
12:21
